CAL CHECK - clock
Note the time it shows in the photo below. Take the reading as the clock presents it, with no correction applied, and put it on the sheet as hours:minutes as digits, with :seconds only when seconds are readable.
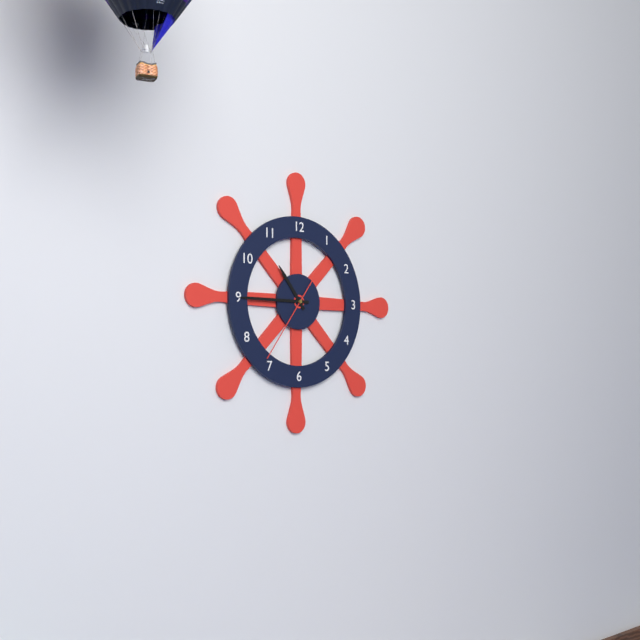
10:45:36
